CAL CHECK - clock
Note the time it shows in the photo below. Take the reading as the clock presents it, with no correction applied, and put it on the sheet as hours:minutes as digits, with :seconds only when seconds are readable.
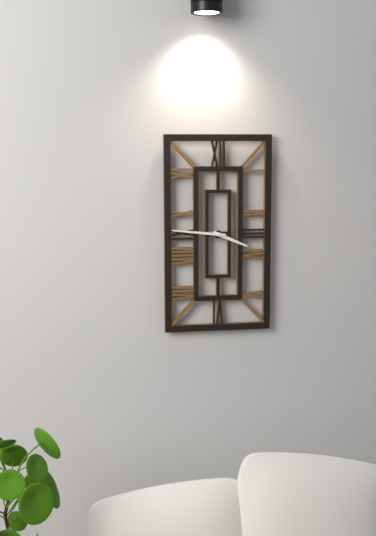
3:46
